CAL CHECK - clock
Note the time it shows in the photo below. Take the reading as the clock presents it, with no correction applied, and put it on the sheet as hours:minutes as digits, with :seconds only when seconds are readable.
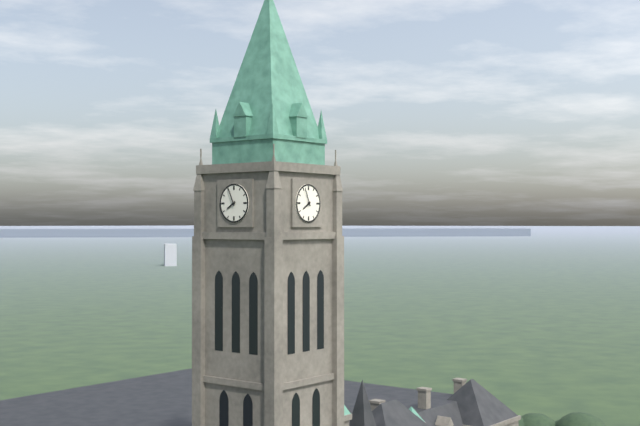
7:56
